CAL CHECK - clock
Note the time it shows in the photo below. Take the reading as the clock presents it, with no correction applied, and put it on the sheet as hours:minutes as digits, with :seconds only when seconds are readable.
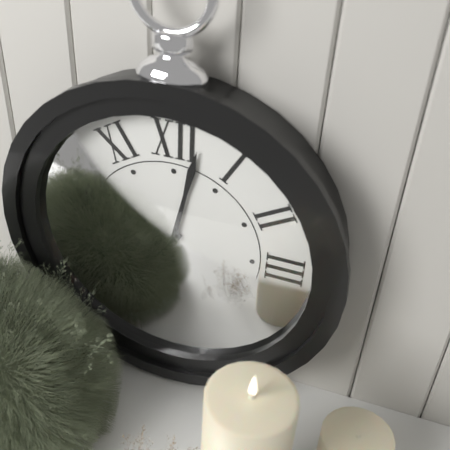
7:02
